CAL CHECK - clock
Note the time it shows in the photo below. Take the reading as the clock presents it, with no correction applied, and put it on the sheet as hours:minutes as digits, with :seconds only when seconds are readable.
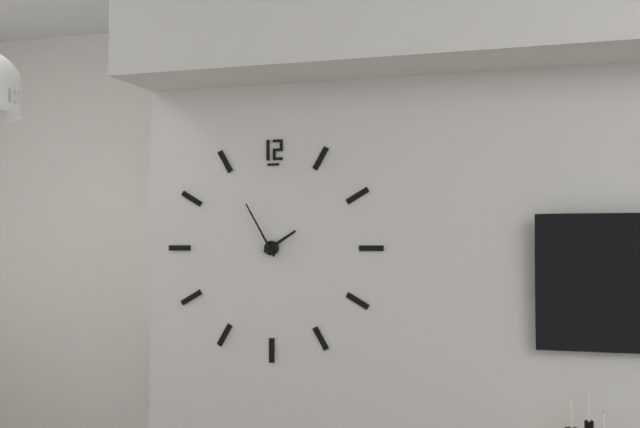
1:55
